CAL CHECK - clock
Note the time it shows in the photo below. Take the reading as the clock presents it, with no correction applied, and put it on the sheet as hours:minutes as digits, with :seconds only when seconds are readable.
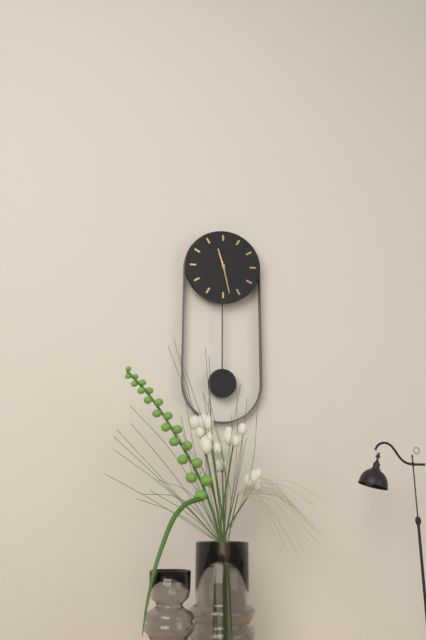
11:28
